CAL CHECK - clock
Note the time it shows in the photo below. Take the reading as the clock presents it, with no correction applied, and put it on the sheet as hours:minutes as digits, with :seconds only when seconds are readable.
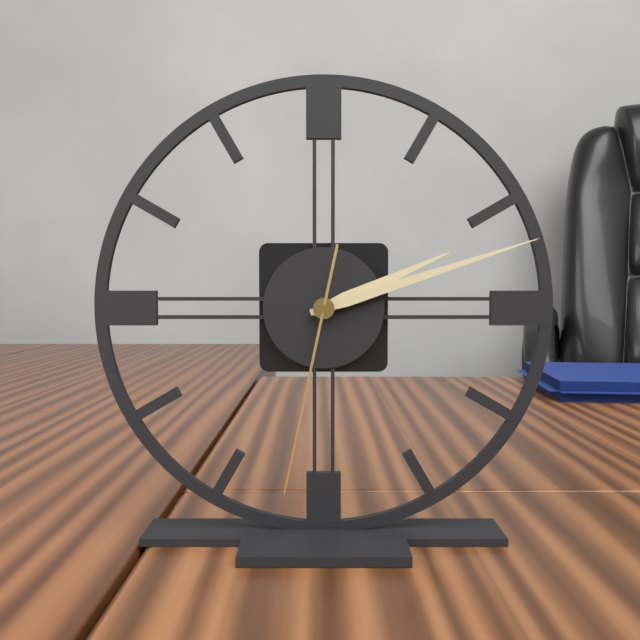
2:12:32
